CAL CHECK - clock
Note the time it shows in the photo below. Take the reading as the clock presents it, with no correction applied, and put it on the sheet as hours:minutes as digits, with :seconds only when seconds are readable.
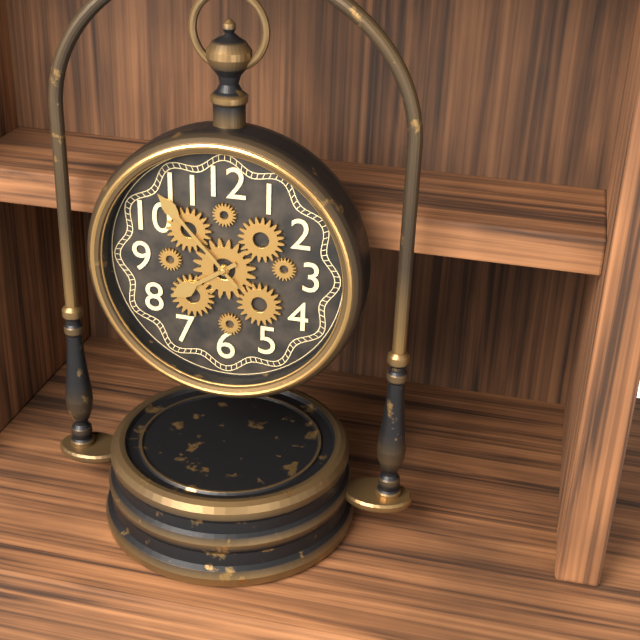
7:53
